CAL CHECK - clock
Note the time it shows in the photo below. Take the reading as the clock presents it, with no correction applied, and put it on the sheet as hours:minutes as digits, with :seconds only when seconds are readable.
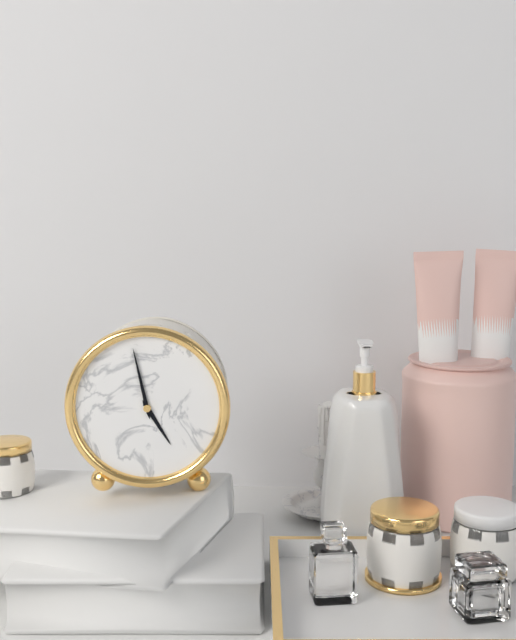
4:58
